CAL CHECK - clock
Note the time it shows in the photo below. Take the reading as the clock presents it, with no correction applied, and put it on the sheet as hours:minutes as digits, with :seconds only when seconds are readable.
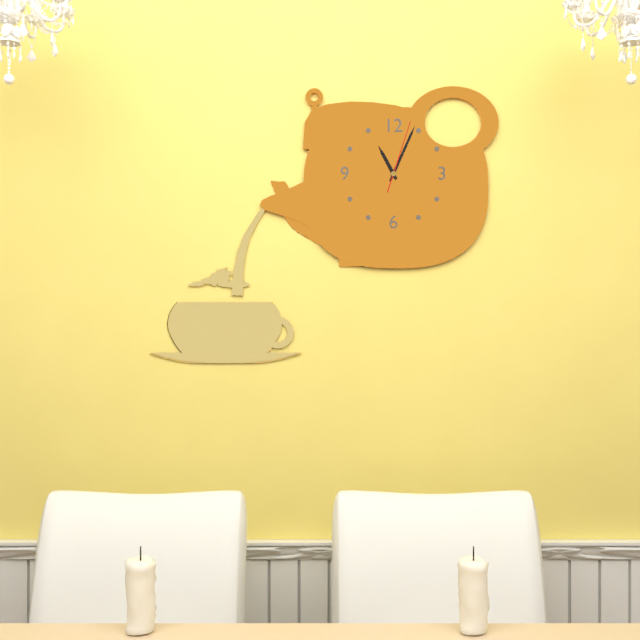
11:04:03
